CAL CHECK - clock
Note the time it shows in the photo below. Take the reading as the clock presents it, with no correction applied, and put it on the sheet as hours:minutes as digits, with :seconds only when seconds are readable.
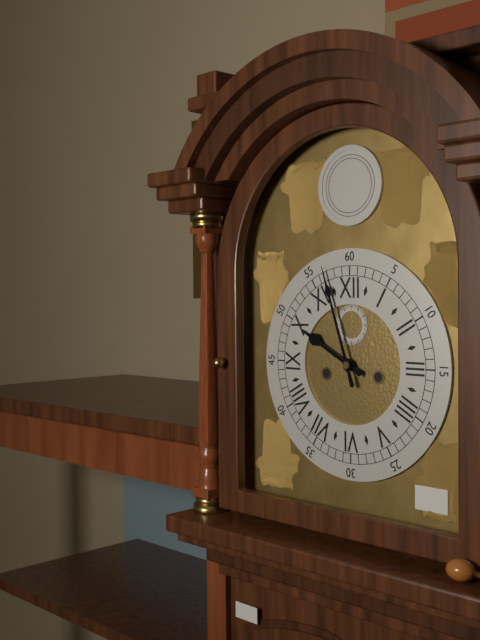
9:57
